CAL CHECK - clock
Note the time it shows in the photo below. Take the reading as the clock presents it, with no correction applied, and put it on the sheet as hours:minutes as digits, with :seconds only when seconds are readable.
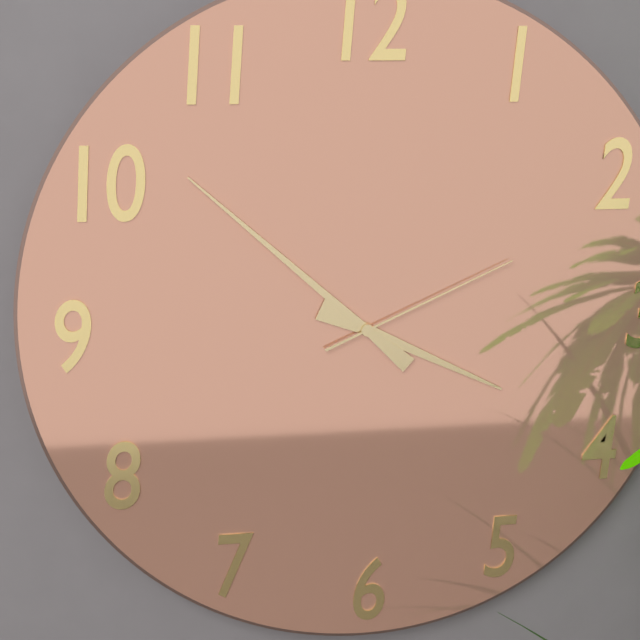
3:52:11
